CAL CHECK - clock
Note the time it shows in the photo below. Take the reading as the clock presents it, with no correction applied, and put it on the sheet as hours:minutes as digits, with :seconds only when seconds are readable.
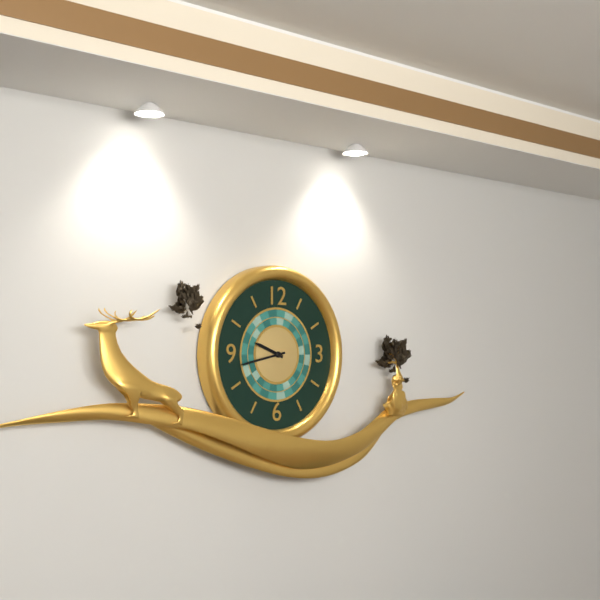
9:43
